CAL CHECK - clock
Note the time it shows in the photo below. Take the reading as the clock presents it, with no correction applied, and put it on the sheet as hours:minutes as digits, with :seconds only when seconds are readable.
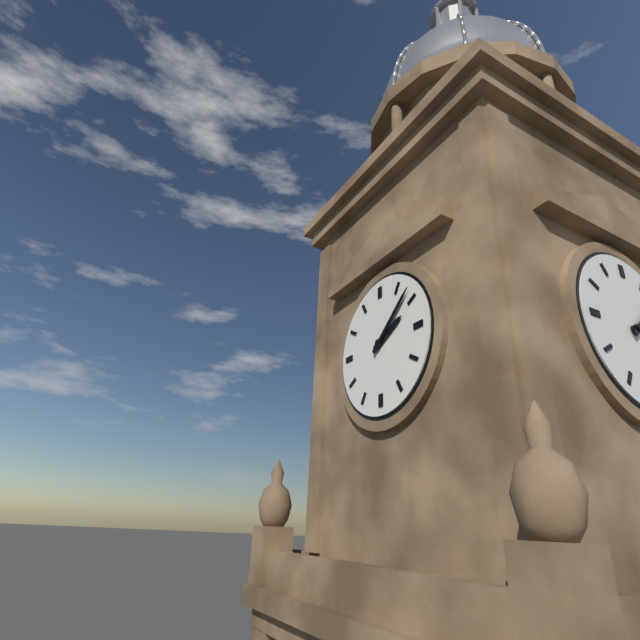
2:08
